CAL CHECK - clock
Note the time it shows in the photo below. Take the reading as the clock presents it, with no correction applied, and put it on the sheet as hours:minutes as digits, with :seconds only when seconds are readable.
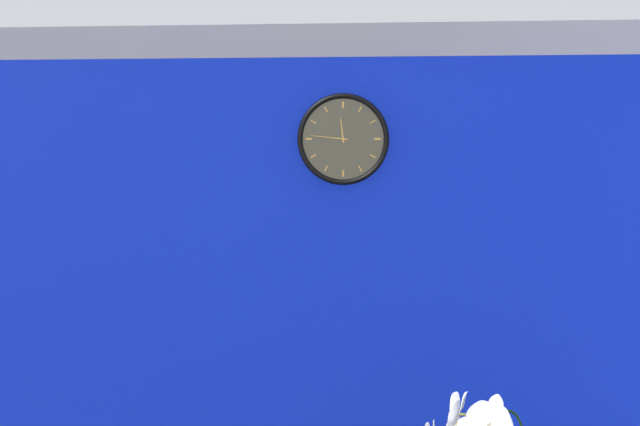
11:46
